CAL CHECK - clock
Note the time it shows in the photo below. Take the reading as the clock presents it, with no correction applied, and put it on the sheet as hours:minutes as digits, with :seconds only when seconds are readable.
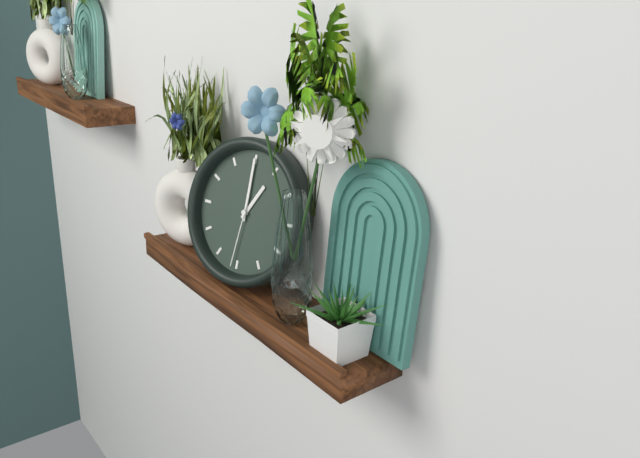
1:00:31
